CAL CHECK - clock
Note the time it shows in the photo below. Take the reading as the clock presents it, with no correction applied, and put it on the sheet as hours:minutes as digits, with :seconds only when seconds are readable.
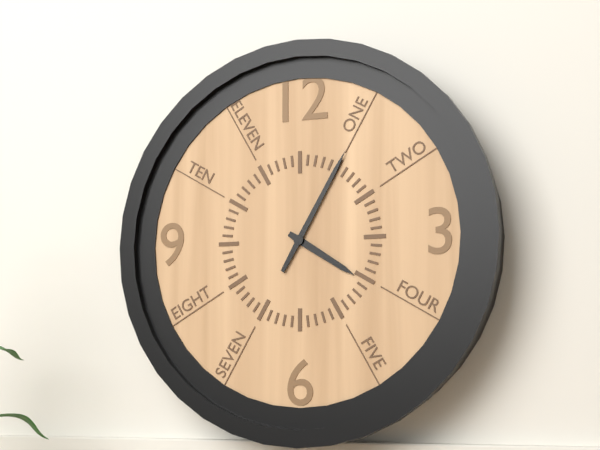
4:05
